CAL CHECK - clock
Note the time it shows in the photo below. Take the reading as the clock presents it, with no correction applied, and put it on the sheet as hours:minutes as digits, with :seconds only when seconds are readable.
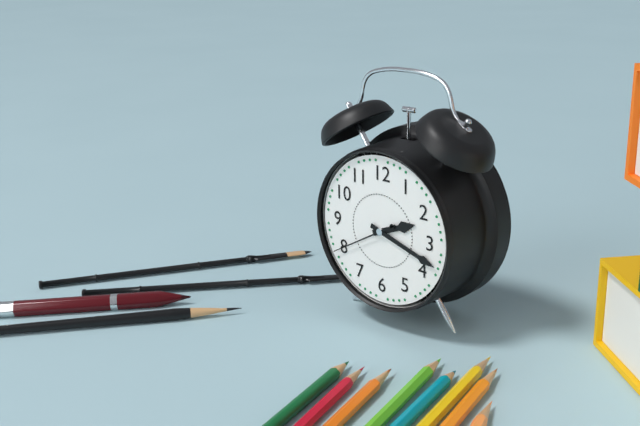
2:18:40
